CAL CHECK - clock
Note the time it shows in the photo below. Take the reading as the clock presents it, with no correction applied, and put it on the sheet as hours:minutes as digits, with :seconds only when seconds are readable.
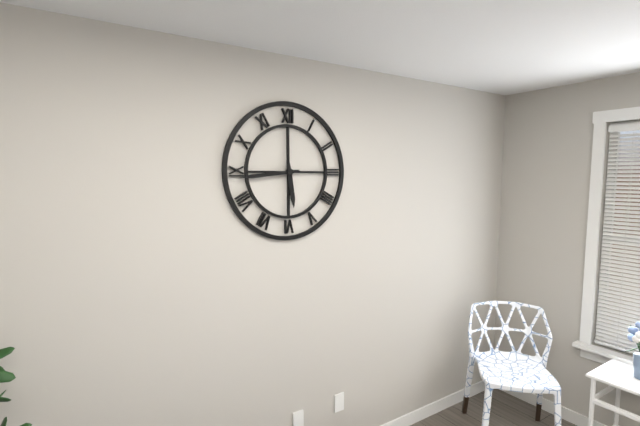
5:44
